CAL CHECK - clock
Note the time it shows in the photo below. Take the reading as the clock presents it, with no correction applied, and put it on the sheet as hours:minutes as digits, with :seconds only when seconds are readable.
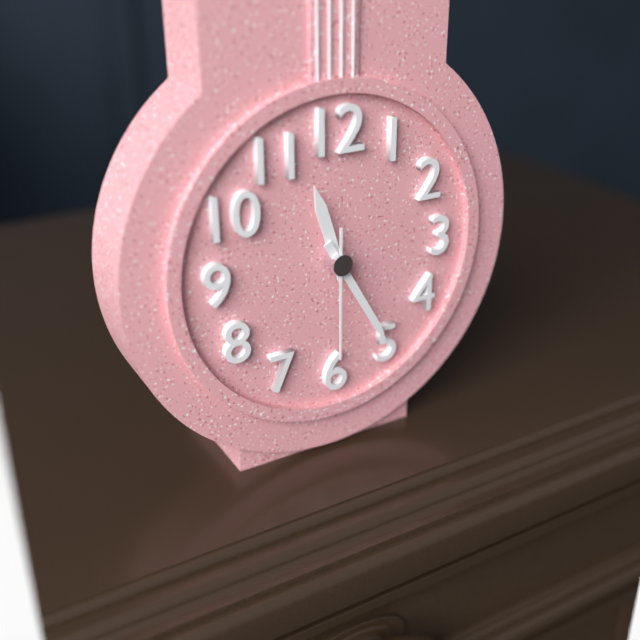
11:25:30
